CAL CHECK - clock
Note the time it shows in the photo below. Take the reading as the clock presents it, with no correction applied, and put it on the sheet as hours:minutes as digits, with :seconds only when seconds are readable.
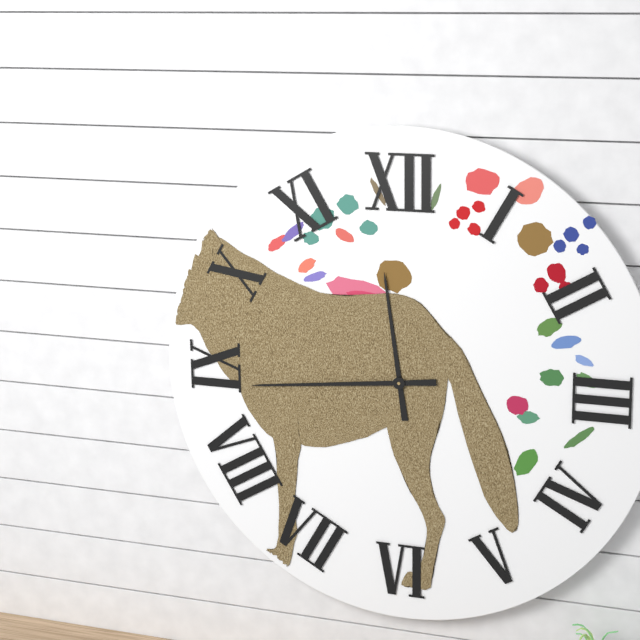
11:44
